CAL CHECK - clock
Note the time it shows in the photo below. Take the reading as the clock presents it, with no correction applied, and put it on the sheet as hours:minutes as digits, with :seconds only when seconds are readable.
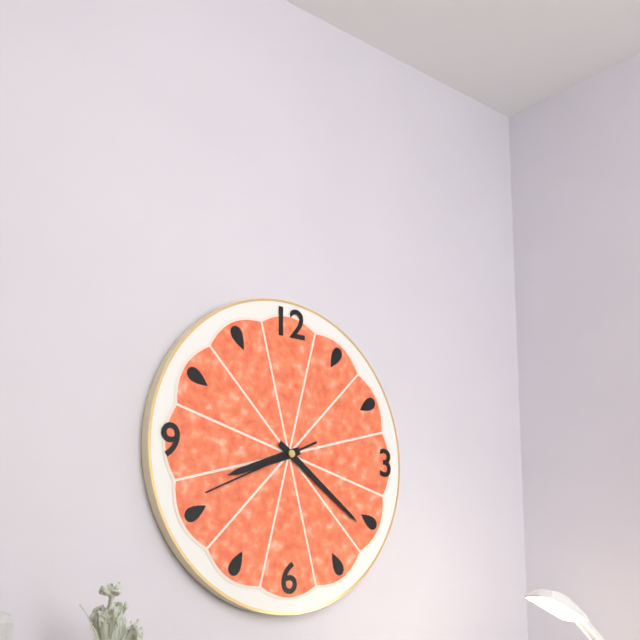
8:21:41
